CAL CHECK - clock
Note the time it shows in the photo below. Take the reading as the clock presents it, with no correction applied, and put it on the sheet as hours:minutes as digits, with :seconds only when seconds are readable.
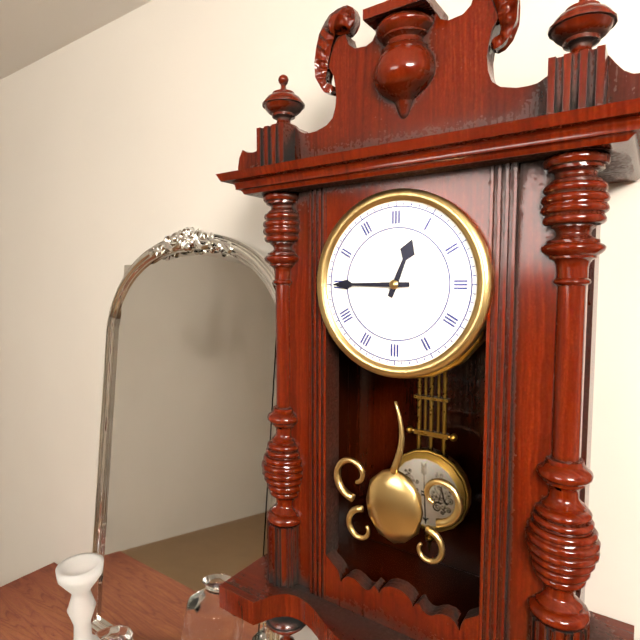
12:45
